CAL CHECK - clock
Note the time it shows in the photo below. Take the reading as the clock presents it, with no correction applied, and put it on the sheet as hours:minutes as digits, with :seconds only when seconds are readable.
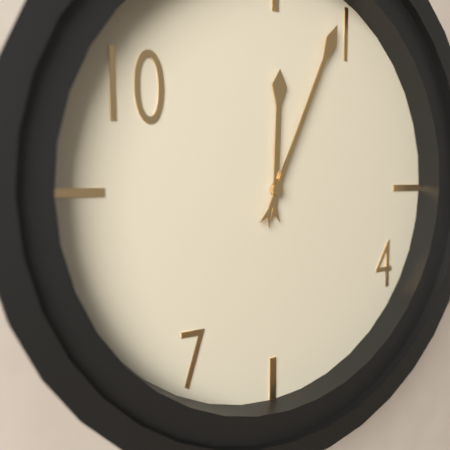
12:04
